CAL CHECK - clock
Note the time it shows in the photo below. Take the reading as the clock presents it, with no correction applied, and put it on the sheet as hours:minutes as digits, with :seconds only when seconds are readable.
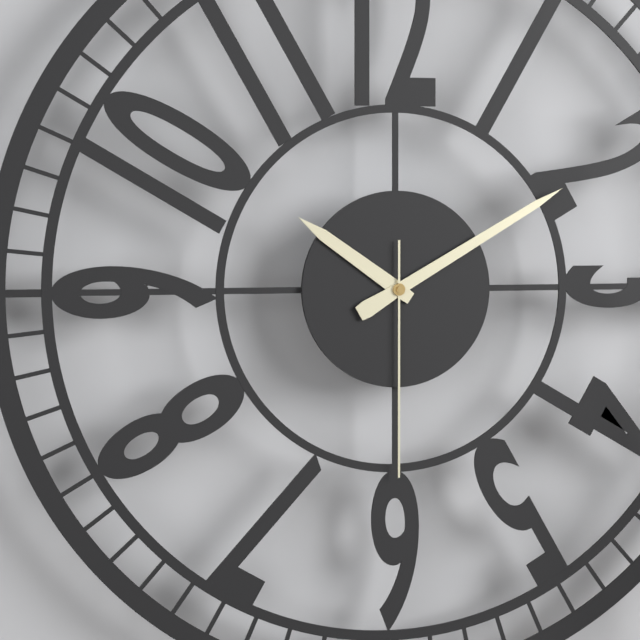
10:10:30
